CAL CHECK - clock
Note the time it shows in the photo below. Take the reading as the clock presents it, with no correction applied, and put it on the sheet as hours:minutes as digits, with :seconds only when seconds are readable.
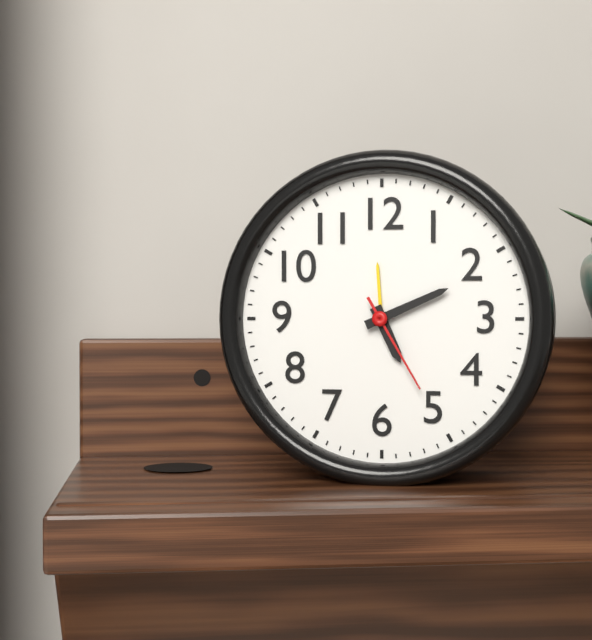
5:11:25
